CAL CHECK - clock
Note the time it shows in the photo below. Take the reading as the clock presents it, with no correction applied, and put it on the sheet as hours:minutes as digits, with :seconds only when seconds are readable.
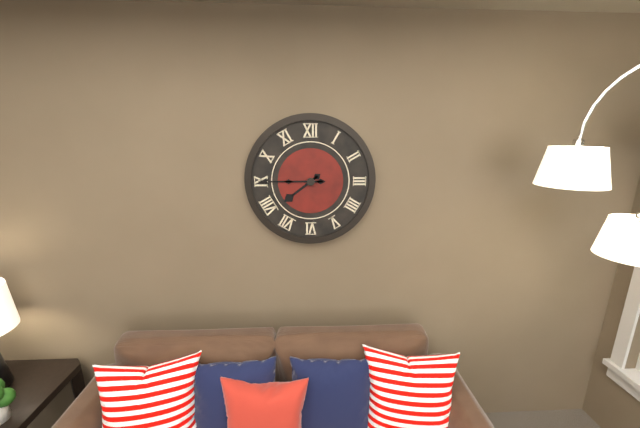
7:45
